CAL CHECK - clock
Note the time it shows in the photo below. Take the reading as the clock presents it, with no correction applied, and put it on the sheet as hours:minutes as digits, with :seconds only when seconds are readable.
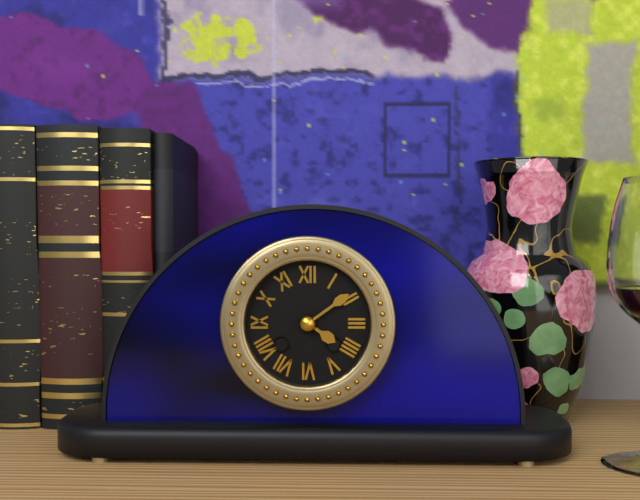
4:09
